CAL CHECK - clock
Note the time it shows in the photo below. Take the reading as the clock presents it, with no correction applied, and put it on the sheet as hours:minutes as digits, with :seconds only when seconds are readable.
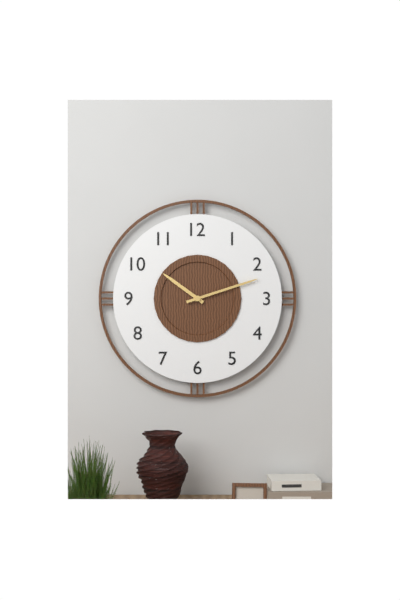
10:12
